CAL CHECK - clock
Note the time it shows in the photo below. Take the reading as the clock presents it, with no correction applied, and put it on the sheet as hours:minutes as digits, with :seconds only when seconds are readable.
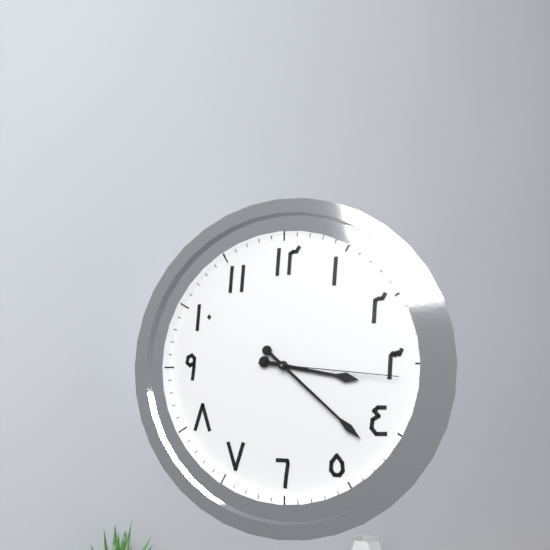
3:22:16
